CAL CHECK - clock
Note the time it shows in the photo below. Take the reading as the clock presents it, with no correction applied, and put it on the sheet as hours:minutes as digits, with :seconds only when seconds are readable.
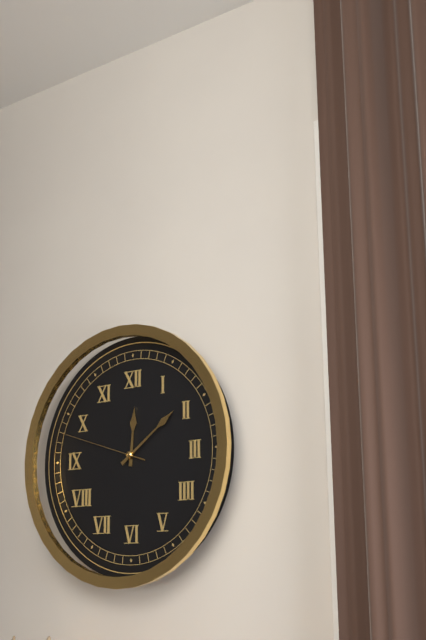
12:09:48
